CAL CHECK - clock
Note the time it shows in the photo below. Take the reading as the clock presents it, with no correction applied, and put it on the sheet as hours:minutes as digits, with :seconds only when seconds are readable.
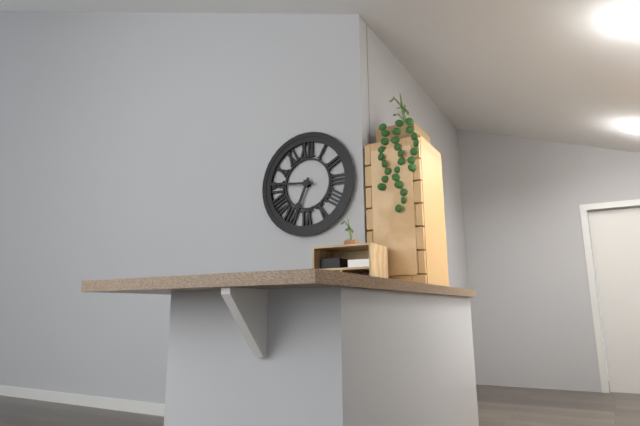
6:46
